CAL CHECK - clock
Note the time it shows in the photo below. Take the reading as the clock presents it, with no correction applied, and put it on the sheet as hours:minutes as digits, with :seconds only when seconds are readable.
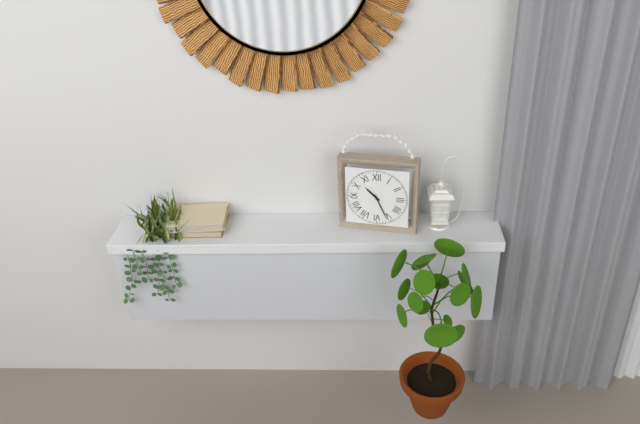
10:26
